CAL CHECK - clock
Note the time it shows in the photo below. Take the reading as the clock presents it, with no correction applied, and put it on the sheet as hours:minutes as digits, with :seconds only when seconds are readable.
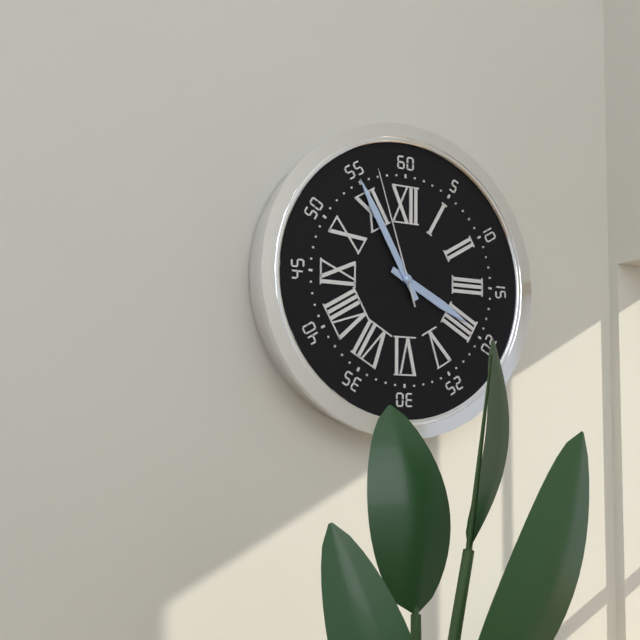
3:55:57
